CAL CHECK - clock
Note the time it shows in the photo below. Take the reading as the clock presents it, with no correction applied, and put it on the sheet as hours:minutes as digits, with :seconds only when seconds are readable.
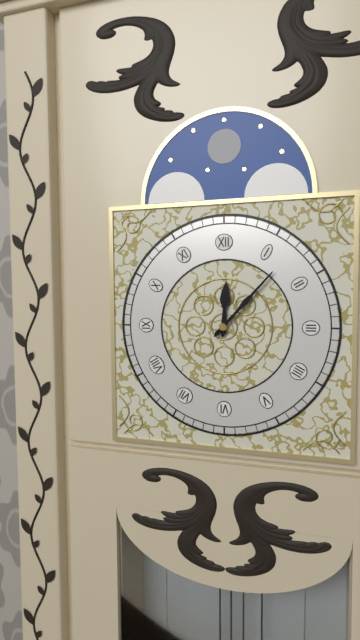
12:07
